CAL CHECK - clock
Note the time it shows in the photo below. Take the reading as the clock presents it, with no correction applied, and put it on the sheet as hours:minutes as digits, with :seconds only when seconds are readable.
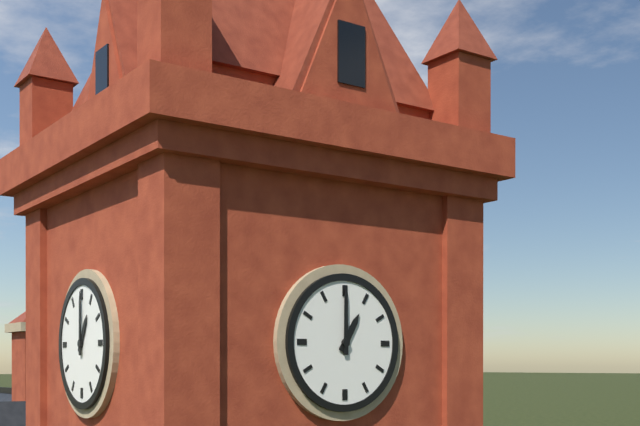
1:00
